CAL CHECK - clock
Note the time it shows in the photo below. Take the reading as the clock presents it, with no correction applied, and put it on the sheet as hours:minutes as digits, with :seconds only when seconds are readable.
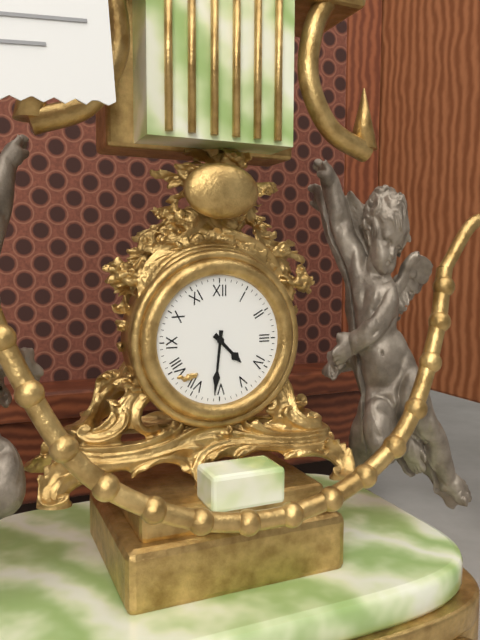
4:31
